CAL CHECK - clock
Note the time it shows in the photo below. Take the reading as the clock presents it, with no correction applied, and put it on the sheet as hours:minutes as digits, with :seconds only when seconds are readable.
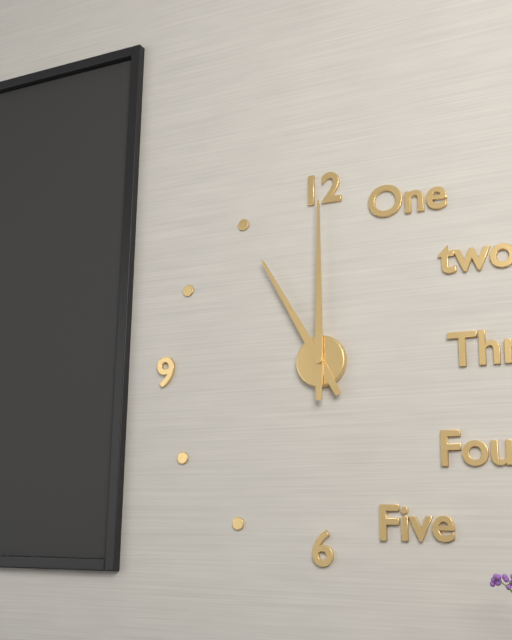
11:00
